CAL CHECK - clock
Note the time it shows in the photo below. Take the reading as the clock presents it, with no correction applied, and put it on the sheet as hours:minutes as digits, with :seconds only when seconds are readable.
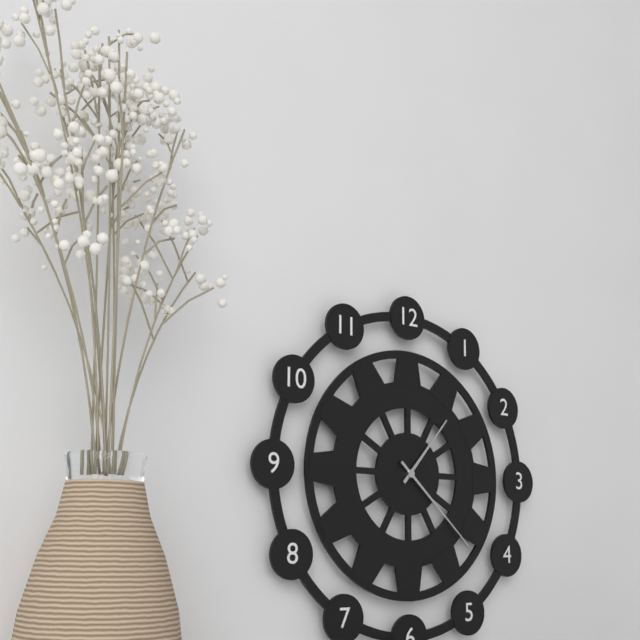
1:22
